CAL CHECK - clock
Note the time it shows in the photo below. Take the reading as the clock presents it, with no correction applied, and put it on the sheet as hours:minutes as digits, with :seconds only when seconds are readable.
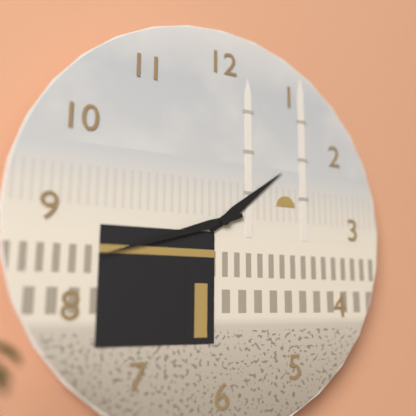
1:42
